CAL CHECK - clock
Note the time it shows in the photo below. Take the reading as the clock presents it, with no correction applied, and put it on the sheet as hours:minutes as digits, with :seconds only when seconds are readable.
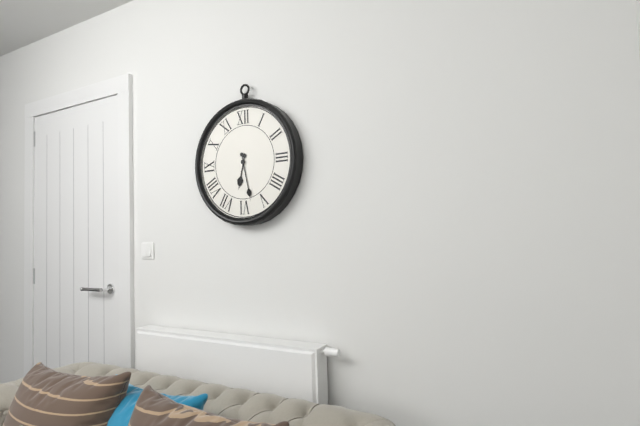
6:28
